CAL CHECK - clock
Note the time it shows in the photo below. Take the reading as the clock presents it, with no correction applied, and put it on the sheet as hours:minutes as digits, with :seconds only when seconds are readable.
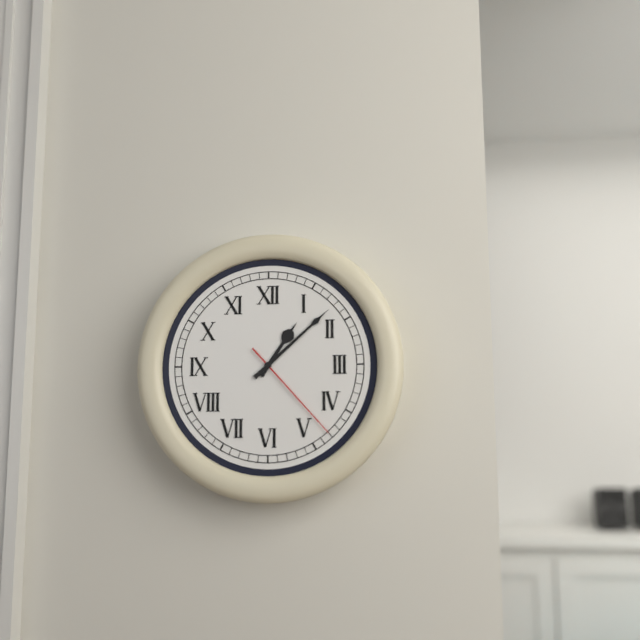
1:08:23
